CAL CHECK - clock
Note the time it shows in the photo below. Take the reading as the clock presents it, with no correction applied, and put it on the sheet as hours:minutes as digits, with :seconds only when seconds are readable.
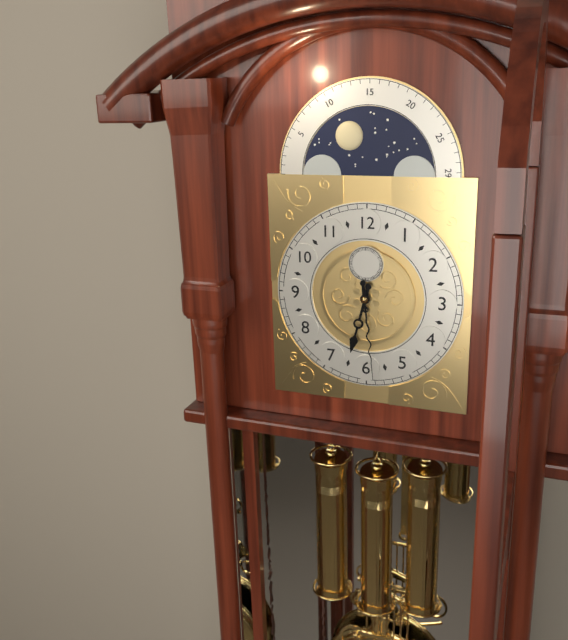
6:29
